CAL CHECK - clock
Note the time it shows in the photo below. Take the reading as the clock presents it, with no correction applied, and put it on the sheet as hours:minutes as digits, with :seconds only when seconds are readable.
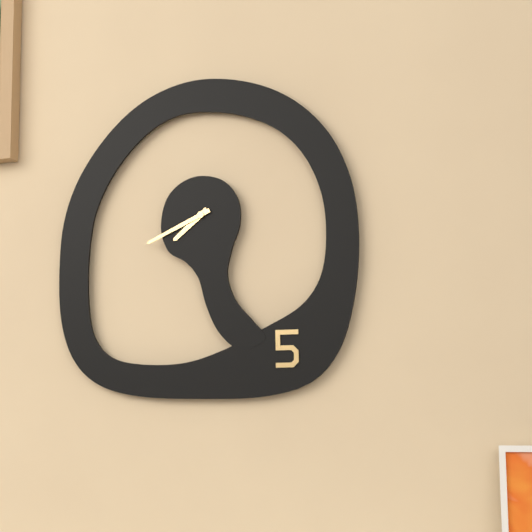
7:41
